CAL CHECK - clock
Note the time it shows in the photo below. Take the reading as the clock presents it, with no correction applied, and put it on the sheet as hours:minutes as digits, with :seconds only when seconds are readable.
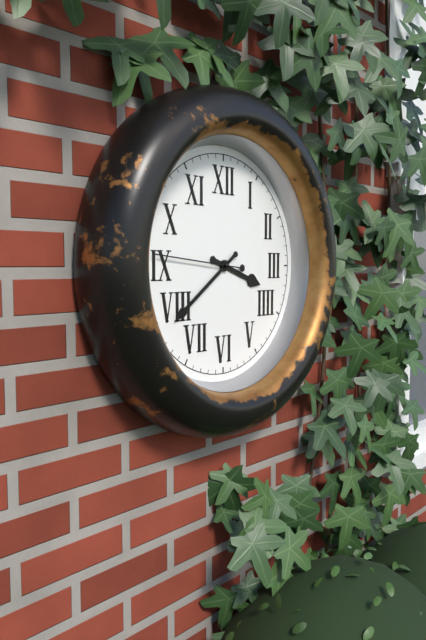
3:39:46
